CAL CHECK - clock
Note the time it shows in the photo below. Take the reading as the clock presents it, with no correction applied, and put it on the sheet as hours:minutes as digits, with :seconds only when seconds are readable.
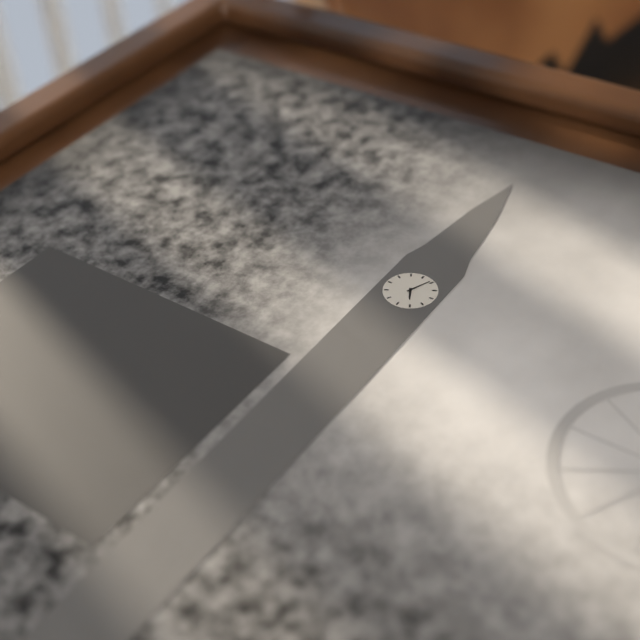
5:04
